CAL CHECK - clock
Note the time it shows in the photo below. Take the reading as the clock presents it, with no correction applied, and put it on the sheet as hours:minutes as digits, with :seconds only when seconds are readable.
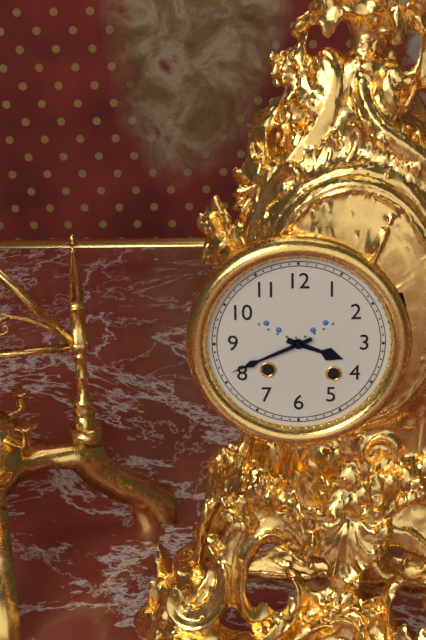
3:41
